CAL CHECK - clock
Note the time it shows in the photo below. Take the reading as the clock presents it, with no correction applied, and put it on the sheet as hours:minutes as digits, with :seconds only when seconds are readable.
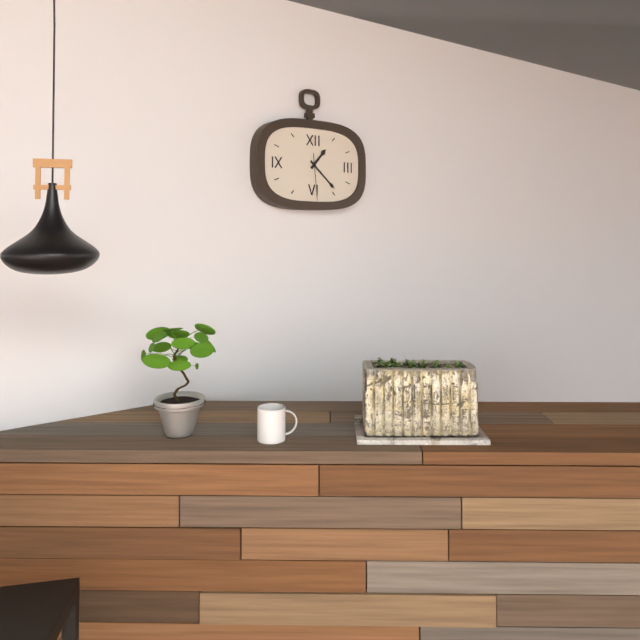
1:22
